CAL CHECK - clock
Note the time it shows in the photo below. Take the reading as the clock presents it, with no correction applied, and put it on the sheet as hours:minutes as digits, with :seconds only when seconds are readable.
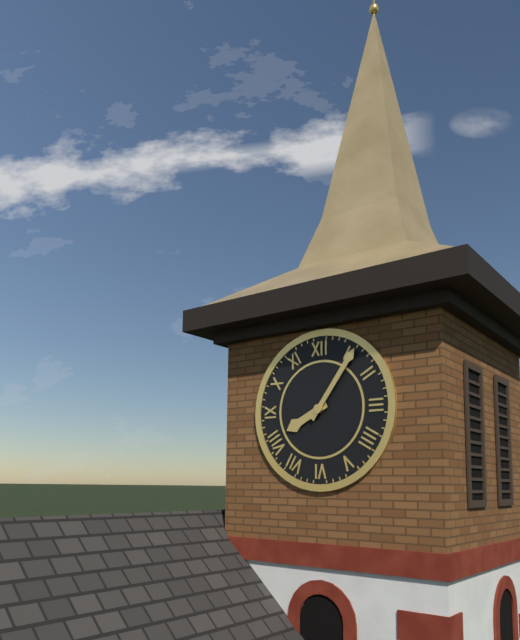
8:06
